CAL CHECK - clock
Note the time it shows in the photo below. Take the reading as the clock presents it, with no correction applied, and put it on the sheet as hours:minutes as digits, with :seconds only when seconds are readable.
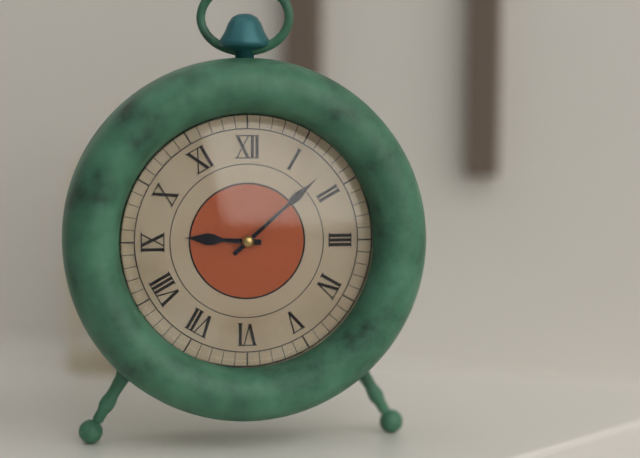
9:08
